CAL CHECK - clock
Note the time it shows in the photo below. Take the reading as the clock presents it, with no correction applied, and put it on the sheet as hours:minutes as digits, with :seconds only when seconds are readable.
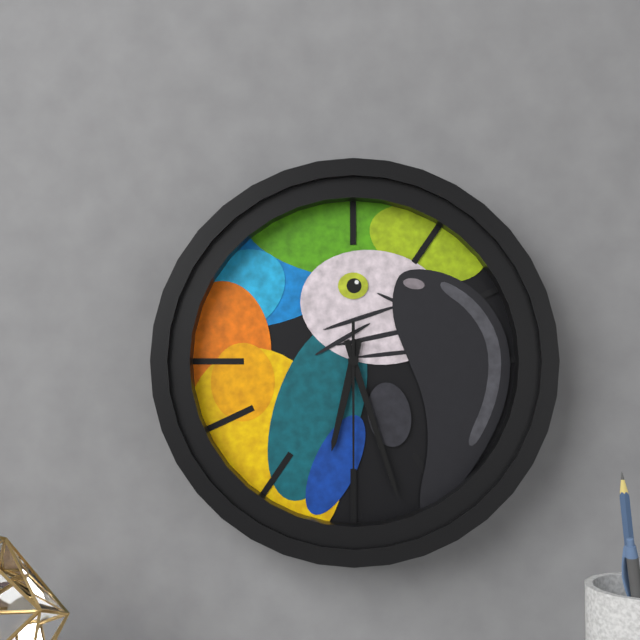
6:27:30
